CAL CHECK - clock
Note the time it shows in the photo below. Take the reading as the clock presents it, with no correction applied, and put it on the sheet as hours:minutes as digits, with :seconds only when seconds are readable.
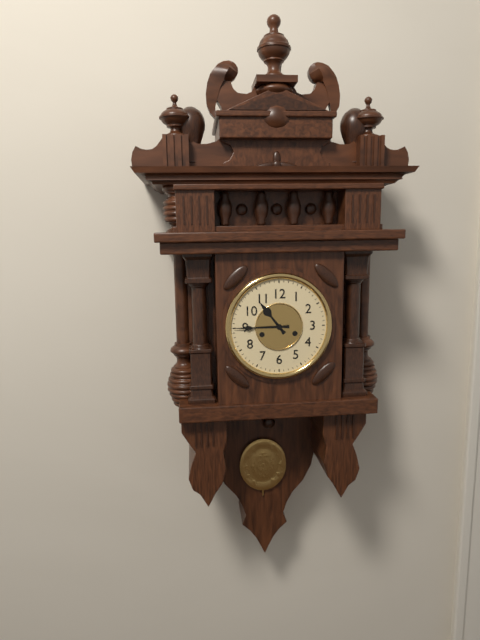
10:45
